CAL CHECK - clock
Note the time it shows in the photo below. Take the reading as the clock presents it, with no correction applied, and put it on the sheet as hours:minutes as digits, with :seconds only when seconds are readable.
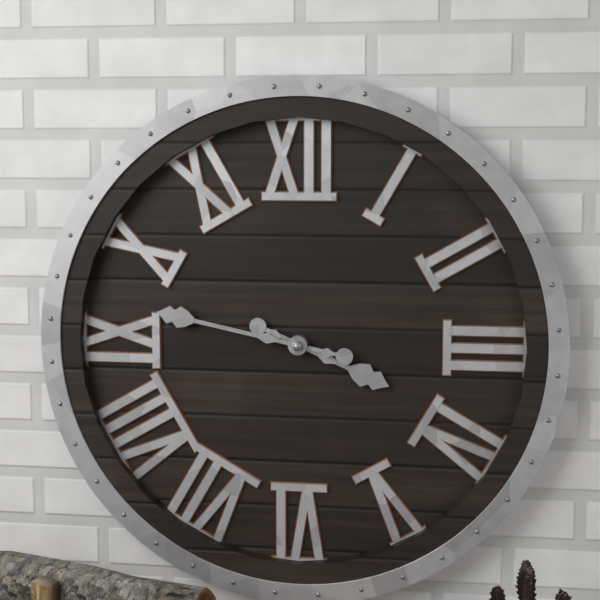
3:47
